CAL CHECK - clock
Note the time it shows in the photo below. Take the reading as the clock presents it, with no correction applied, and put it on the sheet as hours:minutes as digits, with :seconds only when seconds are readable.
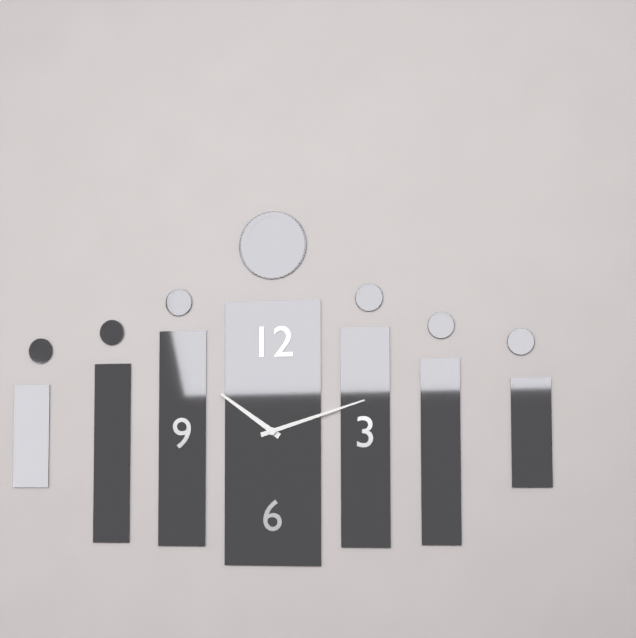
10:12
